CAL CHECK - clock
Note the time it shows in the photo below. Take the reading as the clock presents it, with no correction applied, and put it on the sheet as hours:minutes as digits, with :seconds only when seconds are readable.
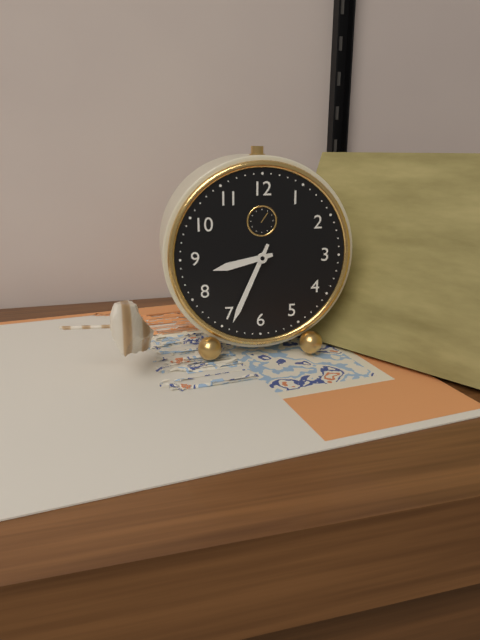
8:34
